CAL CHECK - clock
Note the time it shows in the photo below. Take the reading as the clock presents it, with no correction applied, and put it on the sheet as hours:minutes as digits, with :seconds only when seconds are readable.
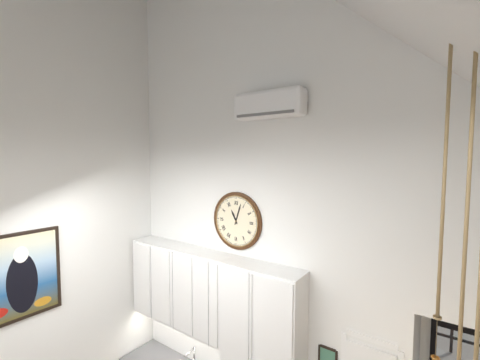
11:03
